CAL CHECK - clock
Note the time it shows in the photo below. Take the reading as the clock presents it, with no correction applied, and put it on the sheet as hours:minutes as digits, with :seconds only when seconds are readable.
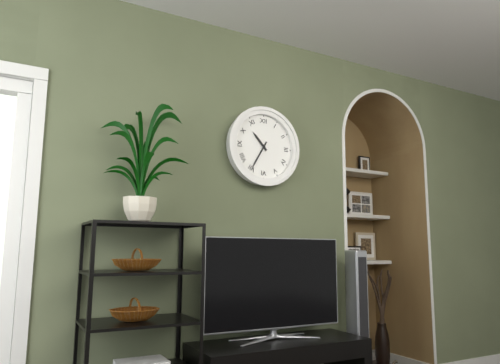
10:35
